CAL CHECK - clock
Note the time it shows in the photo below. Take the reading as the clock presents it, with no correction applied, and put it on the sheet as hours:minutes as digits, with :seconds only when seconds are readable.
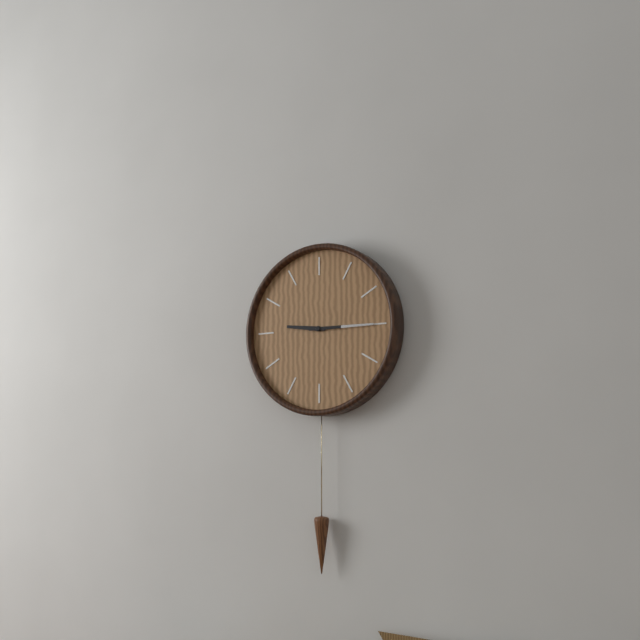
9:15
